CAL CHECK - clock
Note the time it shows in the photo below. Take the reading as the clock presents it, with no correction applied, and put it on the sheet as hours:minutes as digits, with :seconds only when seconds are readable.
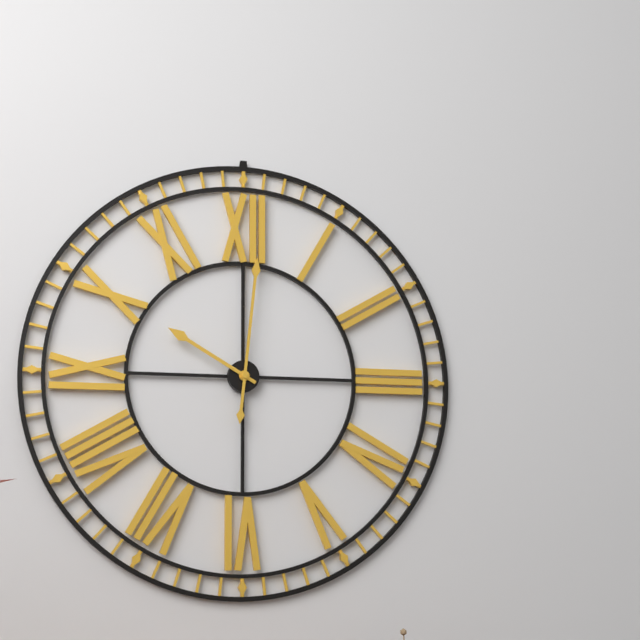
10:01
